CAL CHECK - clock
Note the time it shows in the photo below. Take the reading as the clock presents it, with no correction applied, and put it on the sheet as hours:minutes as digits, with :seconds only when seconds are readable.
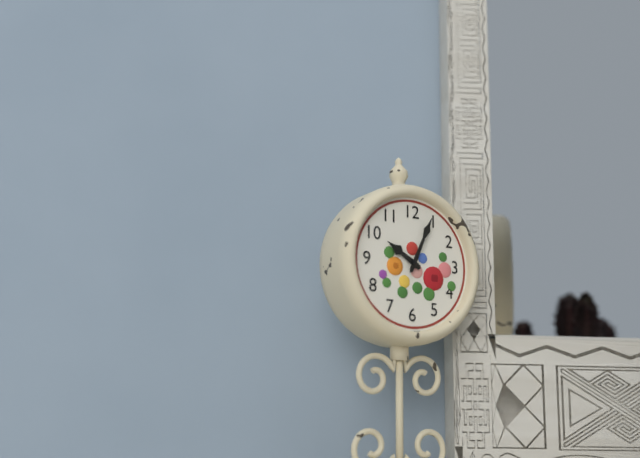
10:04
